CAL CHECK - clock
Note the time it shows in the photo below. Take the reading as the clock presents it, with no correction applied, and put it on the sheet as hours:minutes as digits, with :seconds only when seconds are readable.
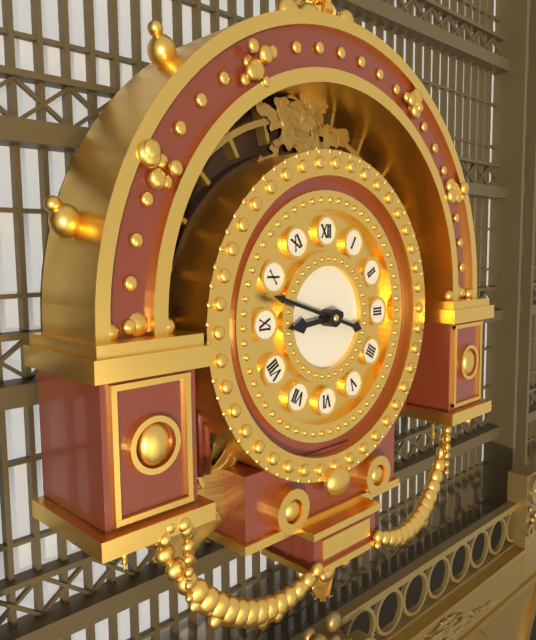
8:48
